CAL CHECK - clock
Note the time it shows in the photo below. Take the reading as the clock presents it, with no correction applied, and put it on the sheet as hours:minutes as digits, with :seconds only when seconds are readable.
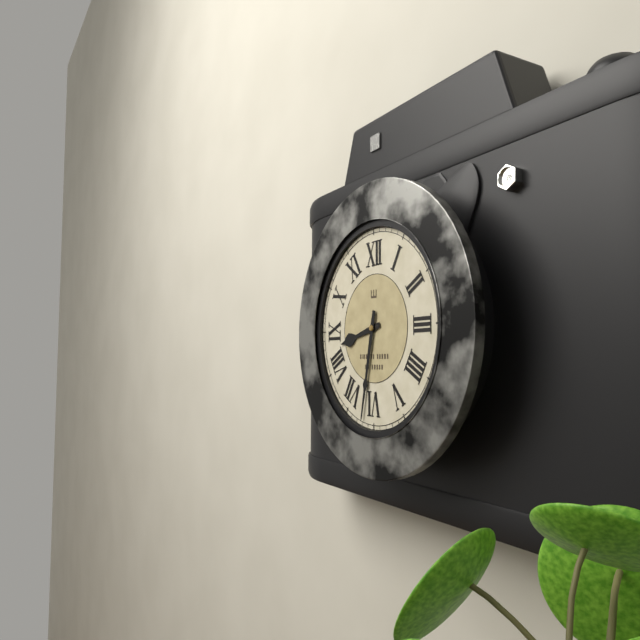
8:32
